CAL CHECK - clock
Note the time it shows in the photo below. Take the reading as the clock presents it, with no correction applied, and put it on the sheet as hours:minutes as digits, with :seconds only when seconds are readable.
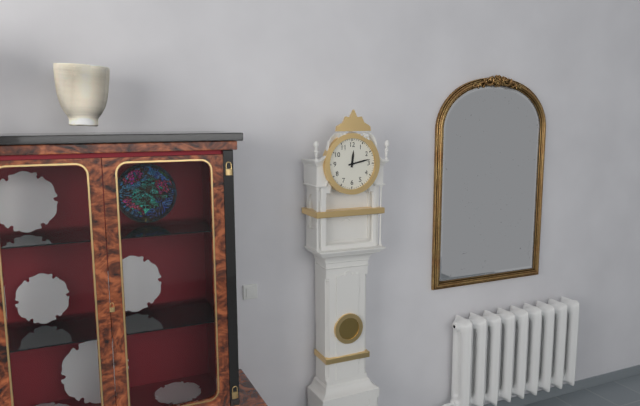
12:13
